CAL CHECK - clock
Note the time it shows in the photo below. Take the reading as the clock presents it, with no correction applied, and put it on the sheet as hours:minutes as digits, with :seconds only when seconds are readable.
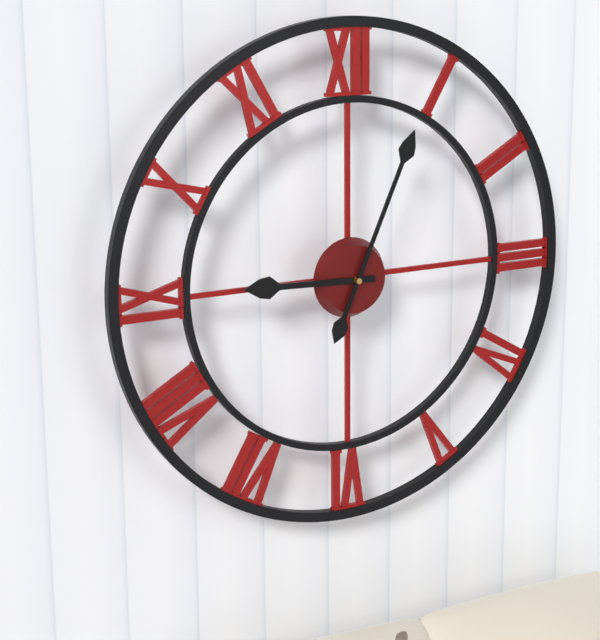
9:04
